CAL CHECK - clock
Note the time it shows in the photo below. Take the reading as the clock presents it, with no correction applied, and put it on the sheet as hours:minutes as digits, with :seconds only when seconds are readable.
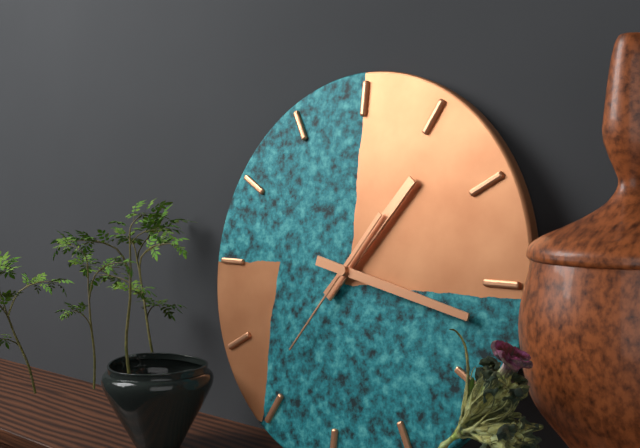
1:17:36
